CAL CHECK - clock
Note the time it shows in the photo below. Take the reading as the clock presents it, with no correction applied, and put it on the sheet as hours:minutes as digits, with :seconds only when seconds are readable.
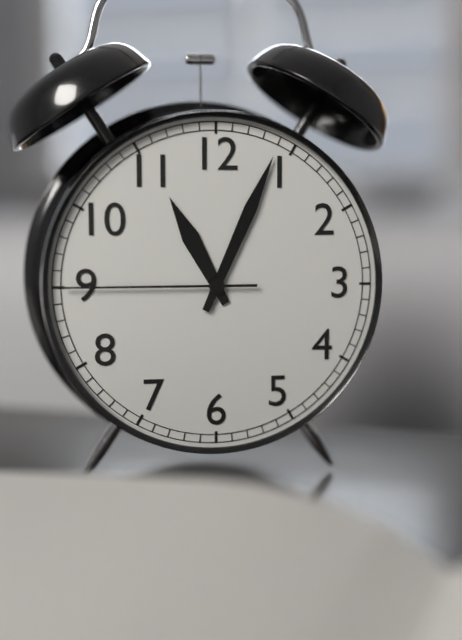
11:04:45
